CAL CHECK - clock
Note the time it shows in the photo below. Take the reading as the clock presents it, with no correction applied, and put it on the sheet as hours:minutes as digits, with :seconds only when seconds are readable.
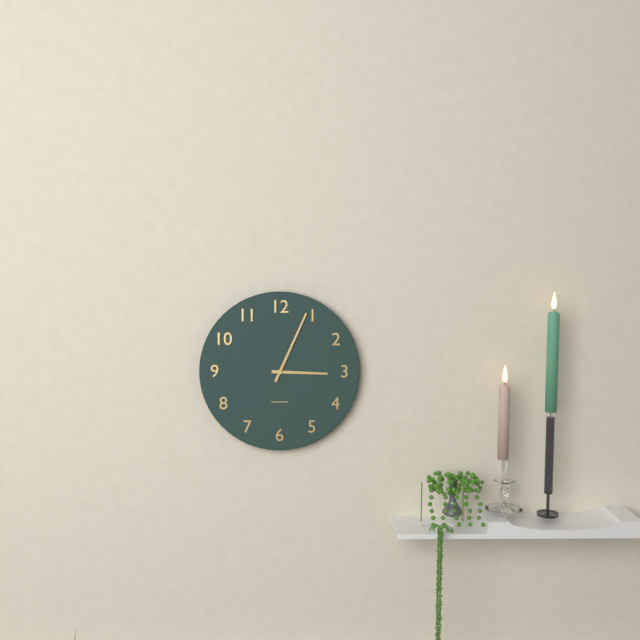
3:04
